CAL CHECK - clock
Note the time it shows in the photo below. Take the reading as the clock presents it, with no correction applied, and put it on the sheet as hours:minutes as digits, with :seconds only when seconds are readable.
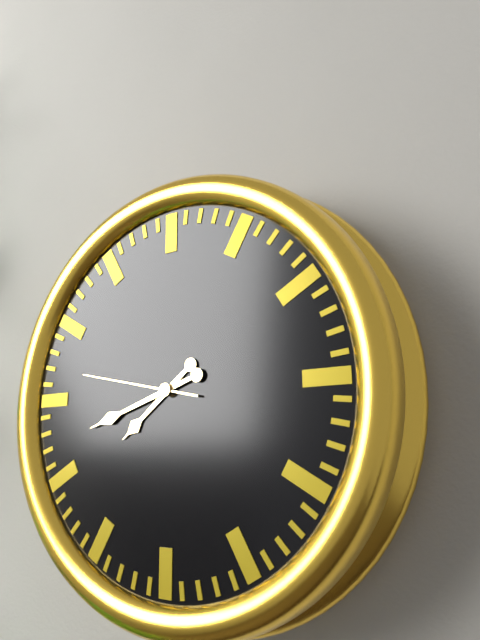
7:42:47
